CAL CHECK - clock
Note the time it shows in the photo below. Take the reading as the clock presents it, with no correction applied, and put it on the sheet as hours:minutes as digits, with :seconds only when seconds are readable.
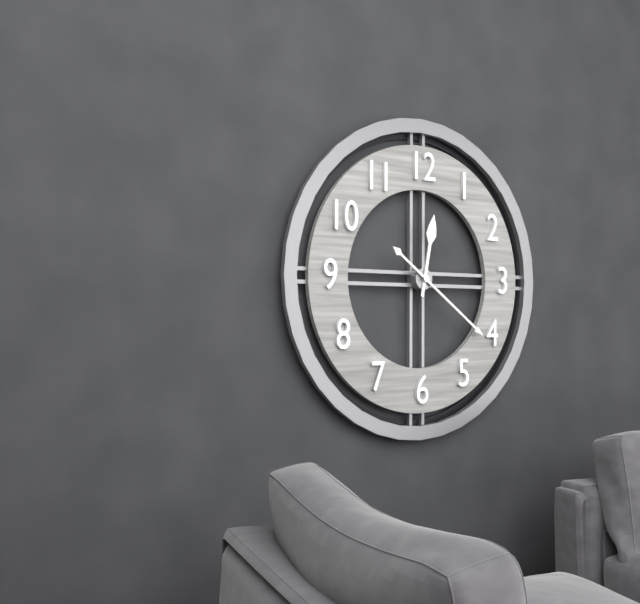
12:21
